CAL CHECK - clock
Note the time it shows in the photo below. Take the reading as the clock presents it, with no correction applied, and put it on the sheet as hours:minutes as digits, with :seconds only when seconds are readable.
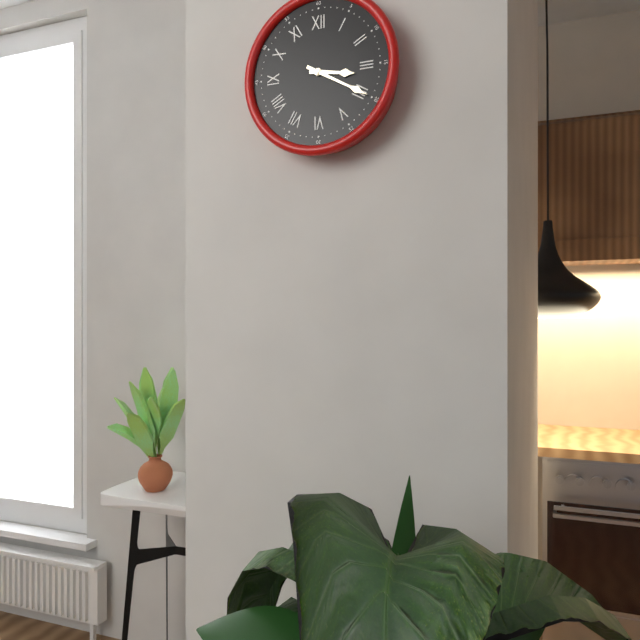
3:20
